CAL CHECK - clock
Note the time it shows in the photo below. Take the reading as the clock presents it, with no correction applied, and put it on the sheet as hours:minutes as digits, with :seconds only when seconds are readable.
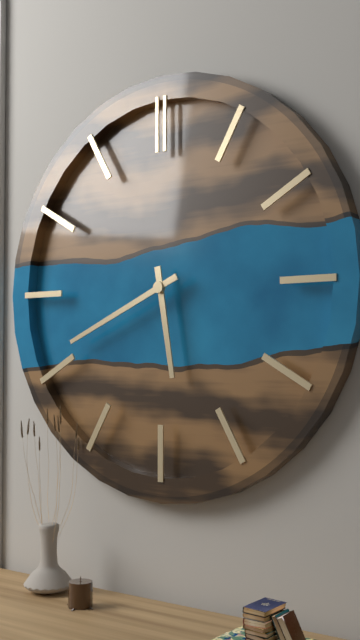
5:41
